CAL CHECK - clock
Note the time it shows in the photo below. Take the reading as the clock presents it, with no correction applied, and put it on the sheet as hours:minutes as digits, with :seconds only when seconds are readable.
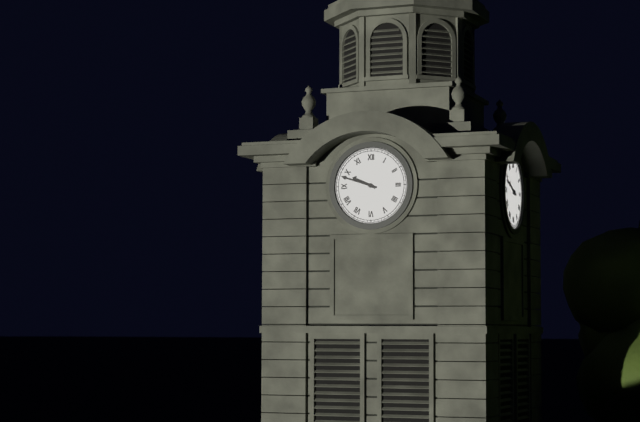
9:48
